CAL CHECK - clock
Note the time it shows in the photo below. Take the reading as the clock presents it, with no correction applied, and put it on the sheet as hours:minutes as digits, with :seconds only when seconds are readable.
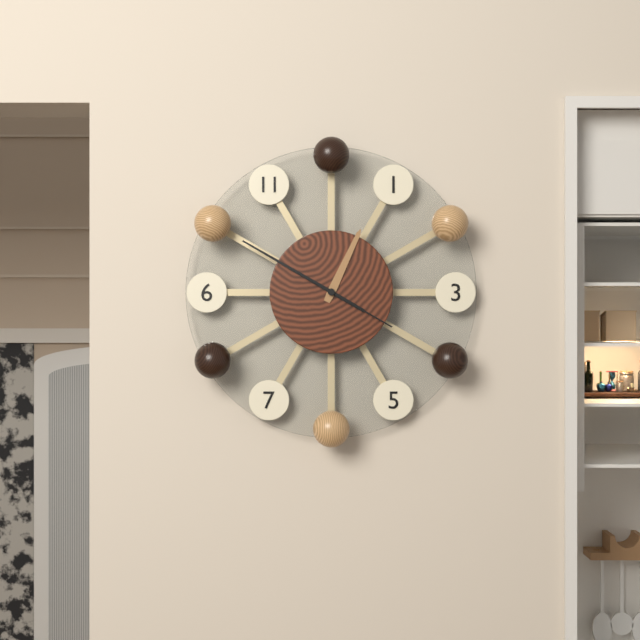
12:50:20
